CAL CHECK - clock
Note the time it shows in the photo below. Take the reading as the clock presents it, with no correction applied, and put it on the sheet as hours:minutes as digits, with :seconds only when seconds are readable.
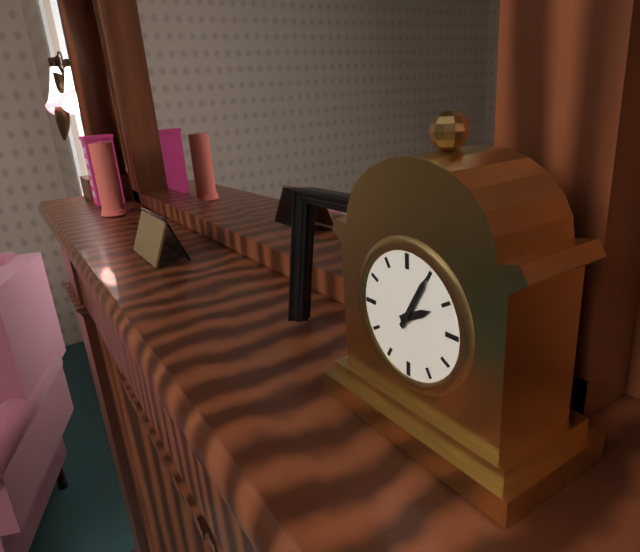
2:05
